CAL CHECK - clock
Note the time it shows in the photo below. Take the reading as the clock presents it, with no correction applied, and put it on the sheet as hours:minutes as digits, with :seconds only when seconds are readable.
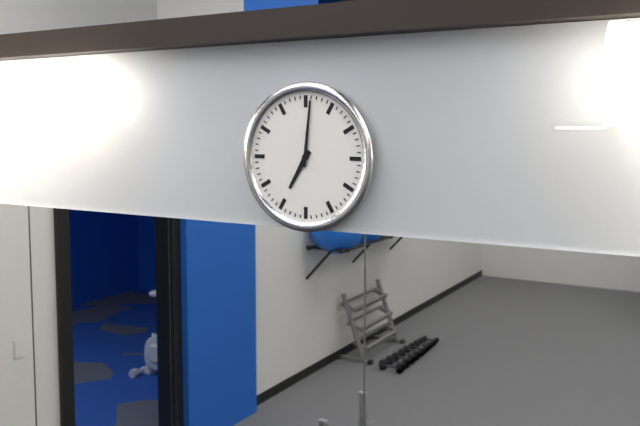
7:01
